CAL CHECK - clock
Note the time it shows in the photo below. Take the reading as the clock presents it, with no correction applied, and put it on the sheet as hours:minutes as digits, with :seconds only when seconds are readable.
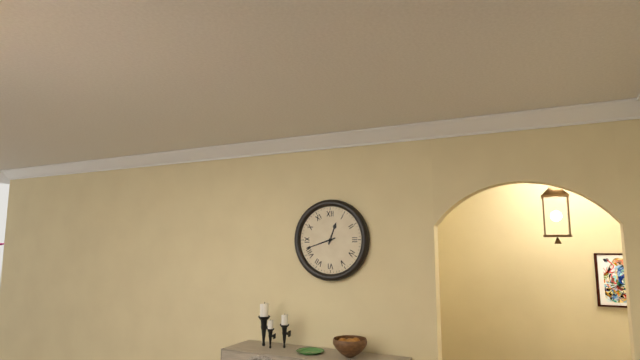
12:42
